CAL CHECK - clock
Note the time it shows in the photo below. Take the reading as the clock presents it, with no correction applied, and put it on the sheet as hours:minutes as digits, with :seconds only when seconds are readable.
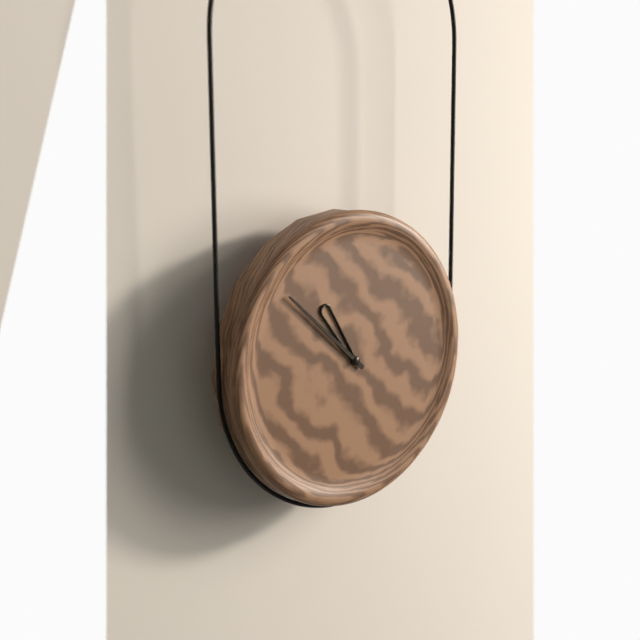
10:52
